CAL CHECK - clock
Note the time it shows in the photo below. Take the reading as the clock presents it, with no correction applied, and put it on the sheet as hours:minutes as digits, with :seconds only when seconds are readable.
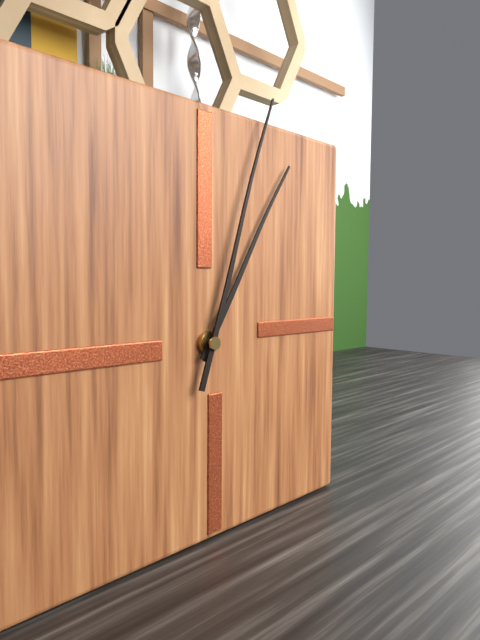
1:03
